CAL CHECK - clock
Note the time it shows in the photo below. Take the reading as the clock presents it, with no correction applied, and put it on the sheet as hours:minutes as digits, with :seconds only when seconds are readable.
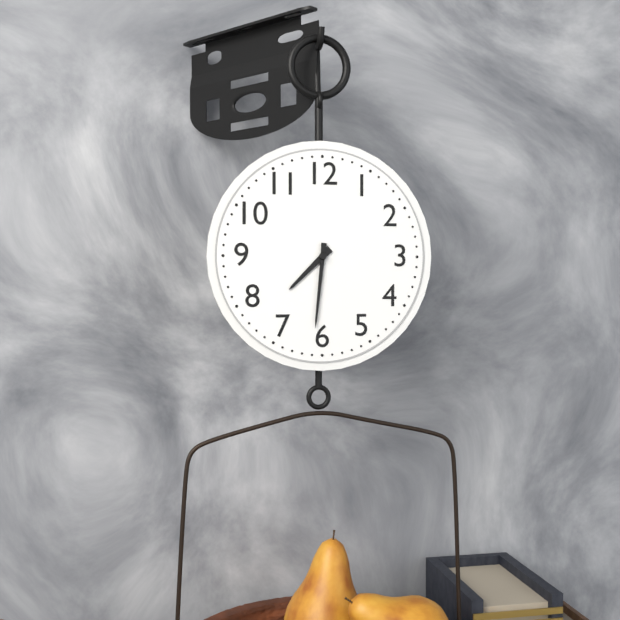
7:31
